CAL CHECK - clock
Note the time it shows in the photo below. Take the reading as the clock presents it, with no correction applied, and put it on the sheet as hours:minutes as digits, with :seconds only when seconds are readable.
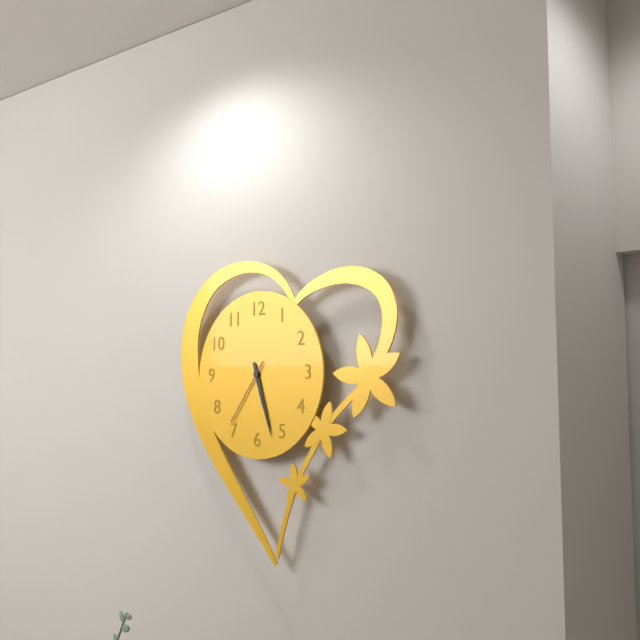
5:27:36
